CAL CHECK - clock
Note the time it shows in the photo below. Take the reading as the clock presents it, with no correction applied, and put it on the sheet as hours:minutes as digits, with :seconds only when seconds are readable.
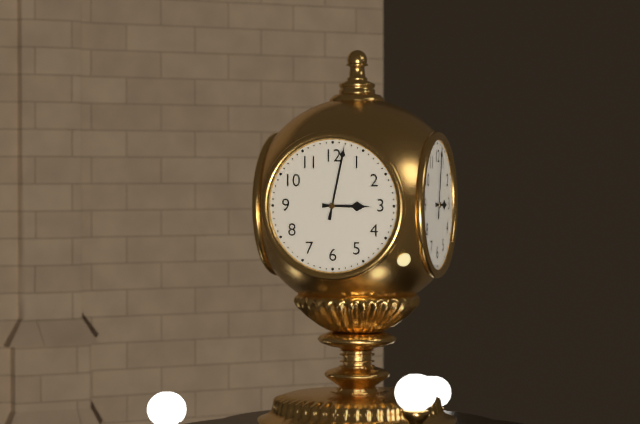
3:02
